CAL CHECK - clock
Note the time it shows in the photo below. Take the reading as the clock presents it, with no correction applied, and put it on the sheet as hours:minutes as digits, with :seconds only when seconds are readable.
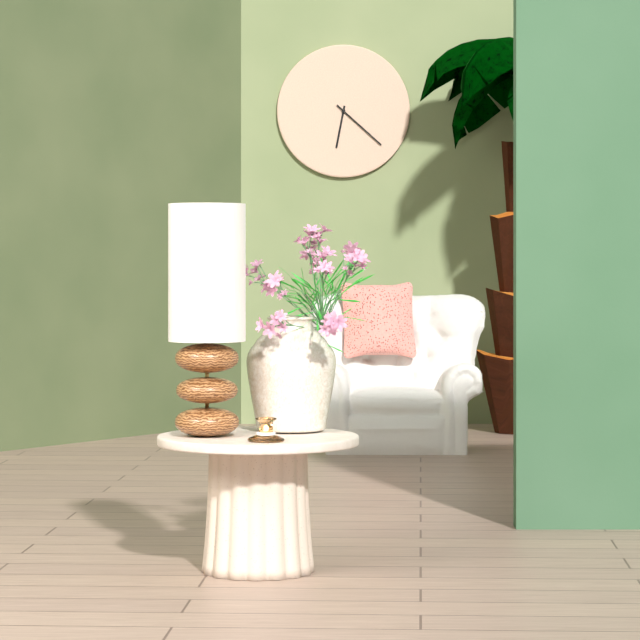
6:22
